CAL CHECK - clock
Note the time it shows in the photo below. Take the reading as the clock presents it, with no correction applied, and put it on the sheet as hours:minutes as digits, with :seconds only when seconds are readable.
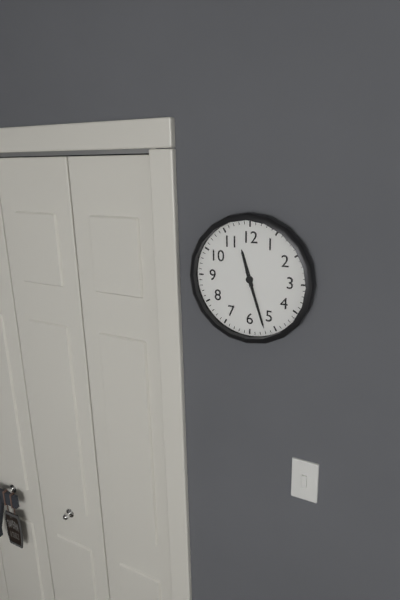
11:27
